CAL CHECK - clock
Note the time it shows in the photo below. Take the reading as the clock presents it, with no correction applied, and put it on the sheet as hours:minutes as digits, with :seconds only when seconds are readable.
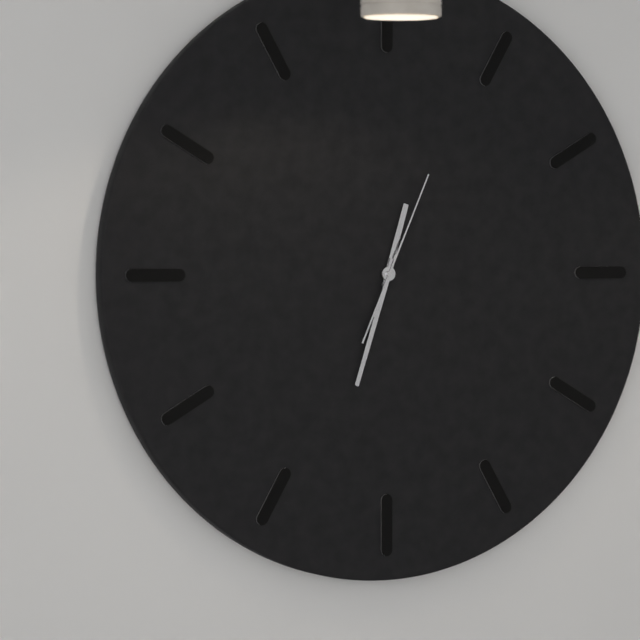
12:33:04
